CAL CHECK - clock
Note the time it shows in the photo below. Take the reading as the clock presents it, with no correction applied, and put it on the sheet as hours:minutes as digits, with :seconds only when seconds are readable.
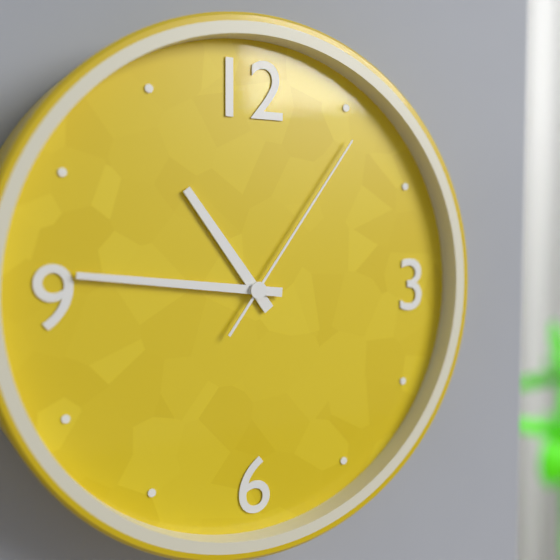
10:46:06
